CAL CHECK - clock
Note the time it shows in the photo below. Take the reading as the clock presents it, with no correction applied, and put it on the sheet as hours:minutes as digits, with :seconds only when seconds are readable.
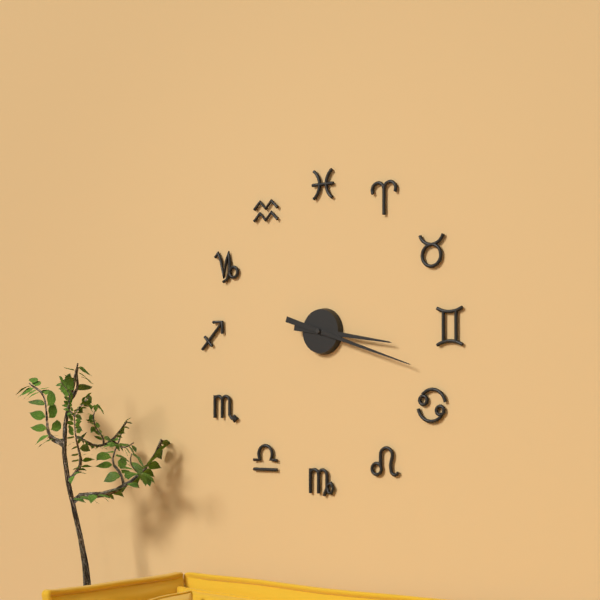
3:18
